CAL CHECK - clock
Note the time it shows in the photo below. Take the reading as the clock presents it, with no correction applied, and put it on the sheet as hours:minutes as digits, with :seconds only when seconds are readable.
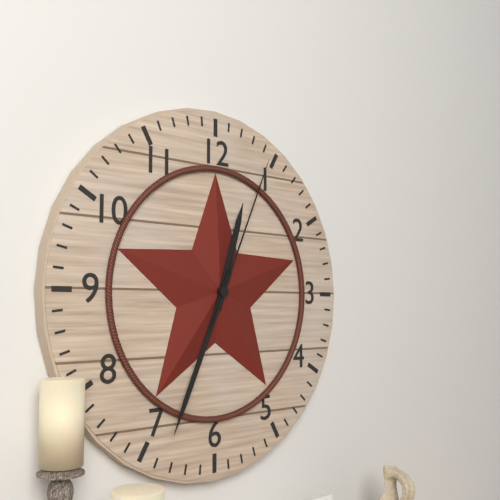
12:34:04
